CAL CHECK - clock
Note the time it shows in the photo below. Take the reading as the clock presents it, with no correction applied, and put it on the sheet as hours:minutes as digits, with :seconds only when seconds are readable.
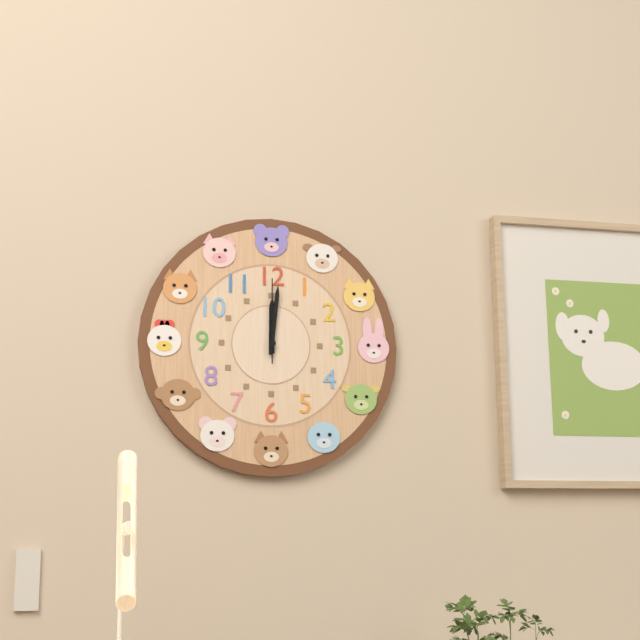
12:01:00
